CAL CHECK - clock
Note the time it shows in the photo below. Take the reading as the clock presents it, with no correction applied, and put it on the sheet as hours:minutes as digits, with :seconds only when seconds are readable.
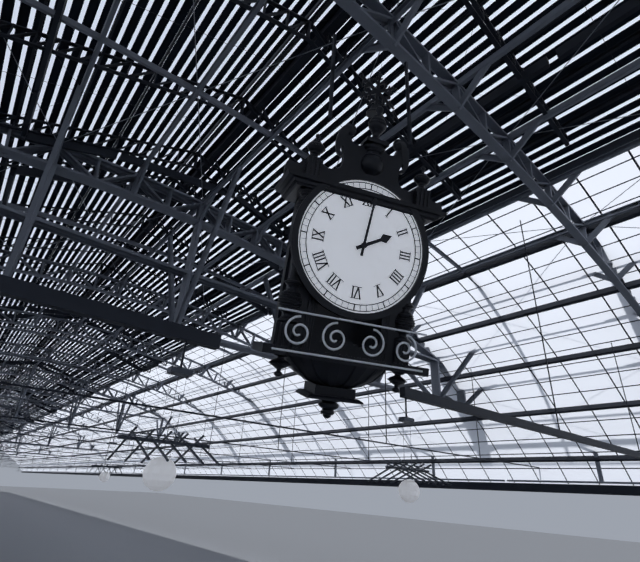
2:01
